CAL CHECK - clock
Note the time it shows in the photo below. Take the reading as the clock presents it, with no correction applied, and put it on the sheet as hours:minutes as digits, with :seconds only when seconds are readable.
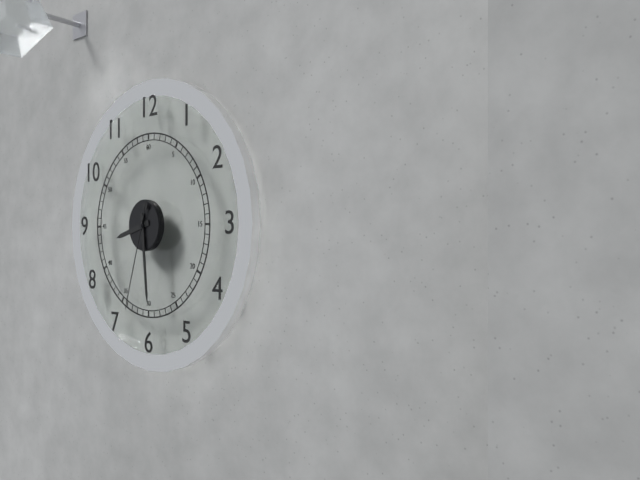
8:29:33
